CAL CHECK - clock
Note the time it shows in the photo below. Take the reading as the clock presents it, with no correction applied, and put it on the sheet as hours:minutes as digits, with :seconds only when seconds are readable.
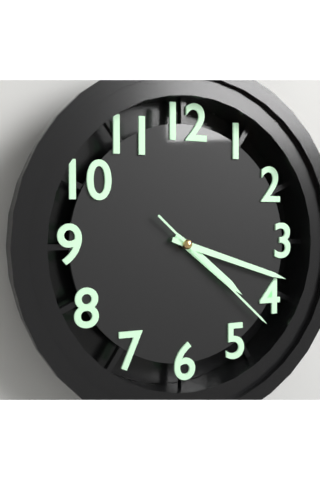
4:18:22
